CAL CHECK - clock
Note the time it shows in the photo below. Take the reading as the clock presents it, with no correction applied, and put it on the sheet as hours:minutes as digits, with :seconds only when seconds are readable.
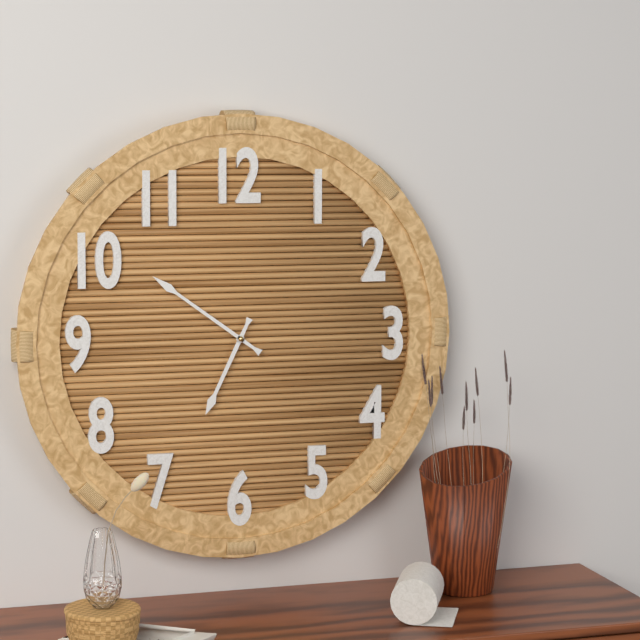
6:51
